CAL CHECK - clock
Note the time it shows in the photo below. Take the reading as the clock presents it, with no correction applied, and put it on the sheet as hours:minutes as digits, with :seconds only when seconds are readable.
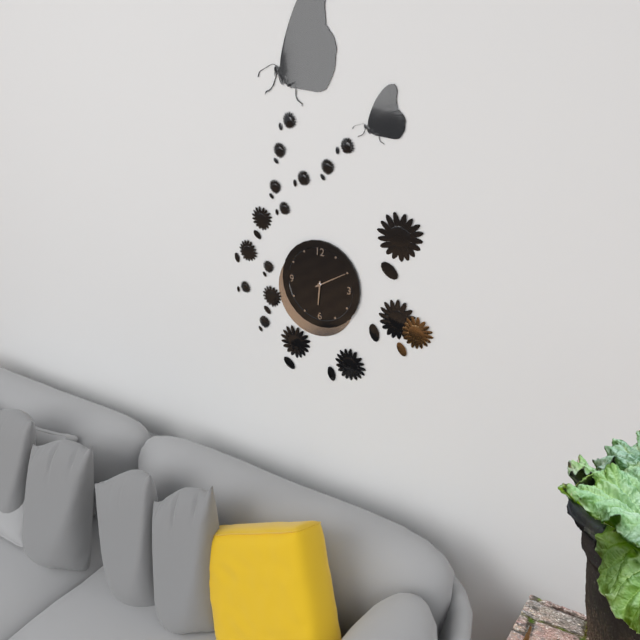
6:10
